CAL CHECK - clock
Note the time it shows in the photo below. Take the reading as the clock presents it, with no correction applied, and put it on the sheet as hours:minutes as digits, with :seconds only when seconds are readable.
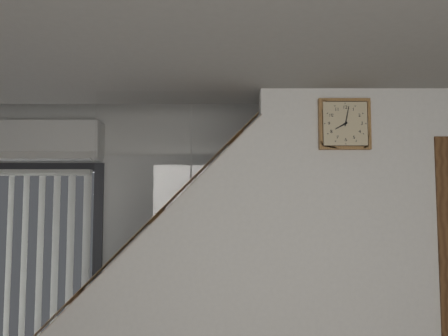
8:02
